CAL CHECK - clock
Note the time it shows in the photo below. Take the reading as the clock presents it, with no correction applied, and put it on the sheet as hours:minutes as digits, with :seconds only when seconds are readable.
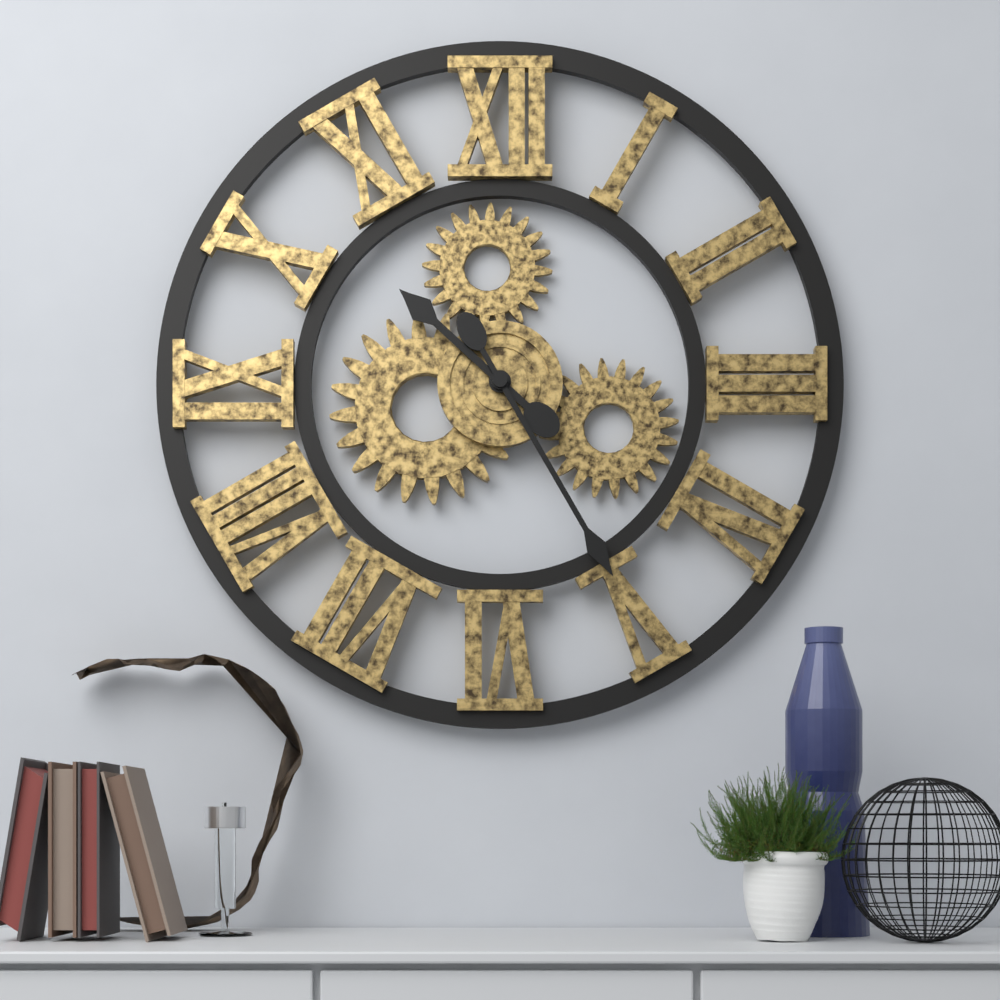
10:25
